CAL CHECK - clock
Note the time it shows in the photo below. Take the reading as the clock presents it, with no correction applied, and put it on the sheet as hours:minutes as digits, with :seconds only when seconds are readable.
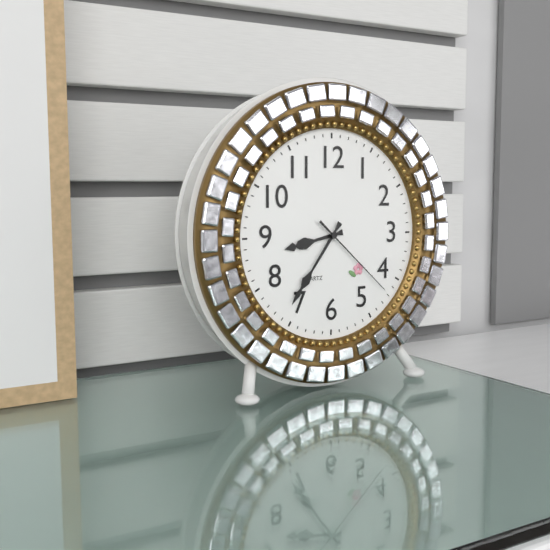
8:36:22
